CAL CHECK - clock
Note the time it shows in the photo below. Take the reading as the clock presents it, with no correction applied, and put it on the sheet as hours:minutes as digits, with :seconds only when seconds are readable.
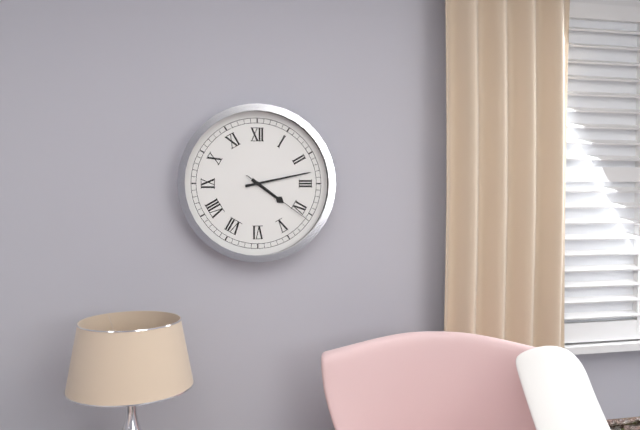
4:13:21
